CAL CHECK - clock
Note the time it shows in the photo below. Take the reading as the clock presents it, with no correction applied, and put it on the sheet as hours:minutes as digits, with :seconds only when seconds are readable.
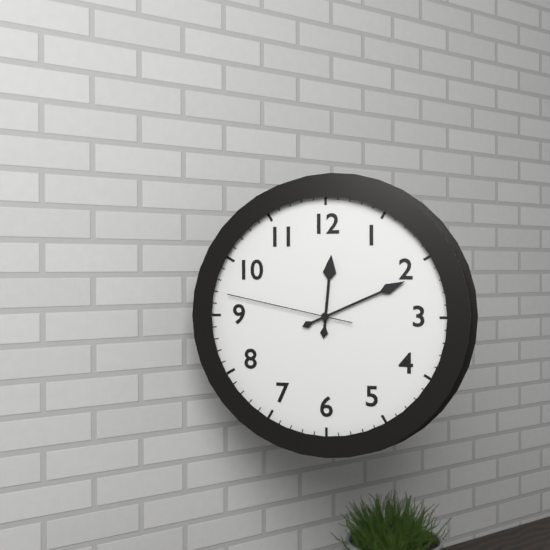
12:11:47
